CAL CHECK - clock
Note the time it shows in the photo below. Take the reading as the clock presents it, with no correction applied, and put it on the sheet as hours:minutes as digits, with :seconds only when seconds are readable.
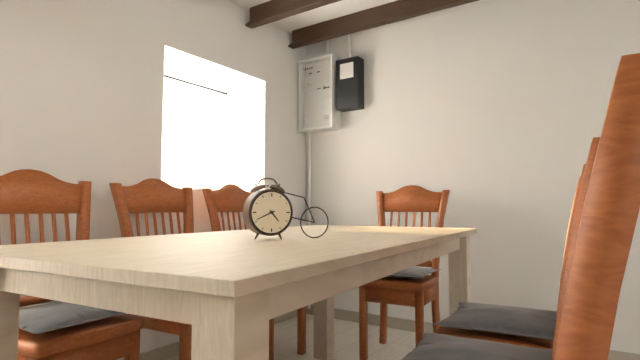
4:41
